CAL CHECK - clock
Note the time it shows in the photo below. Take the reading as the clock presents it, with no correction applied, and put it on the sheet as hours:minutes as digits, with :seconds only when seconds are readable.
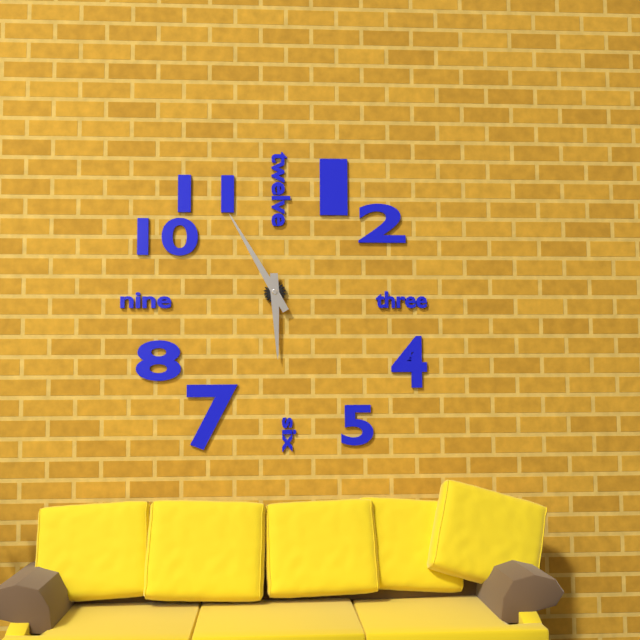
5:55
